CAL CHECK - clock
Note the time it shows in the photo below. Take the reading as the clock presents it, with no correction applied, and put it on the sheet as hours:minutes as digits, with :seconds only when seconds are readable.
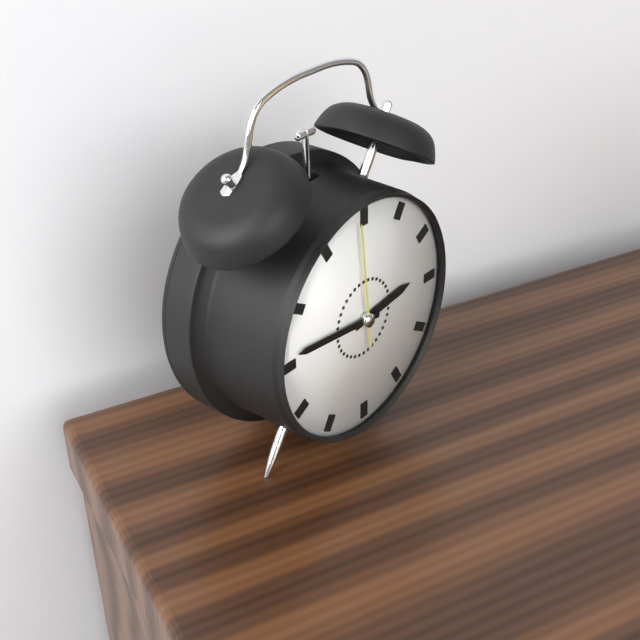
2:46:59
